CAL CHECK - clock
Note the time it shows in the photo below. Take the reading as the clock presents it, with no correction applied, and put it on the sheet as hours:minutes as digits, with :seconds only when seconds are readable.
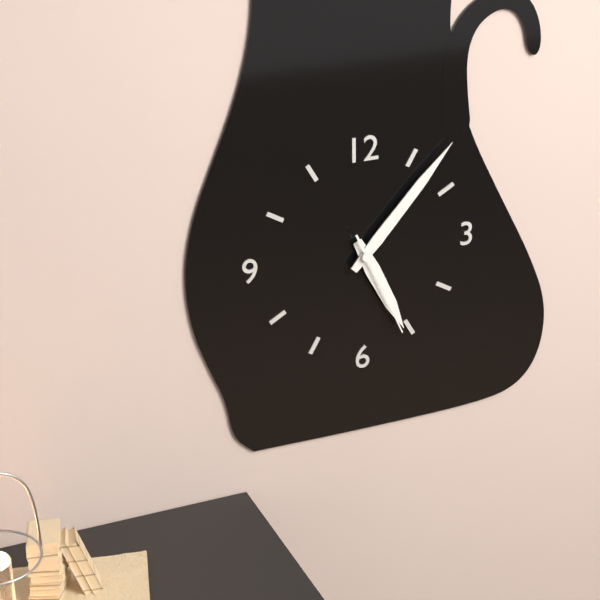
5:07:26
